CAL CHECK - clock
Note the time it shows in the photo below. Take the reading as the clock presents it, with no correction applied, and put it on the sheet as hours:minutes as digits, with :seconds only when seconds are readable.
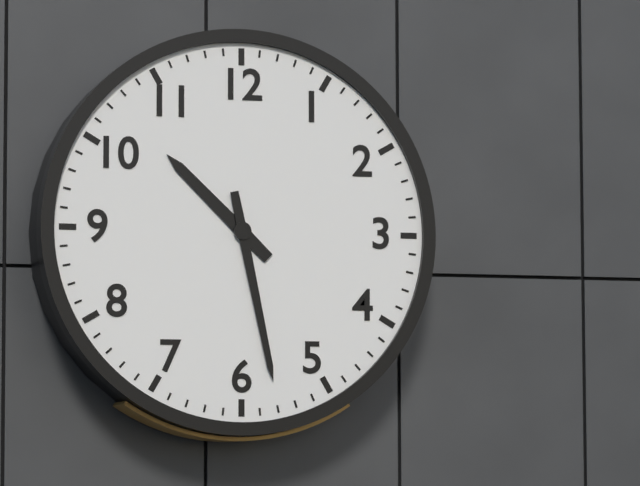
10:28
